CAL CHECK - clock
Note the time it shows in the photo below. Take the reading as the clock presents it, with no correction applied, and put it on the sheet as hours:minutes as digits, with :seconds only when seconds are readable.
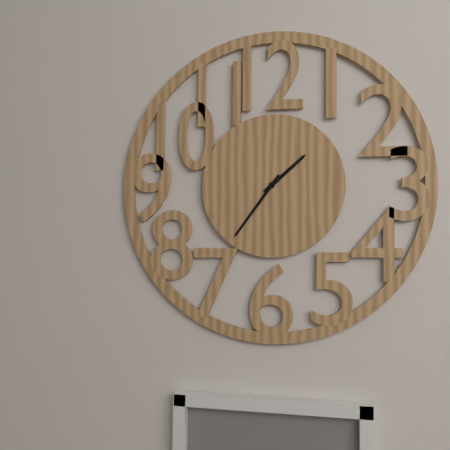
1:36
